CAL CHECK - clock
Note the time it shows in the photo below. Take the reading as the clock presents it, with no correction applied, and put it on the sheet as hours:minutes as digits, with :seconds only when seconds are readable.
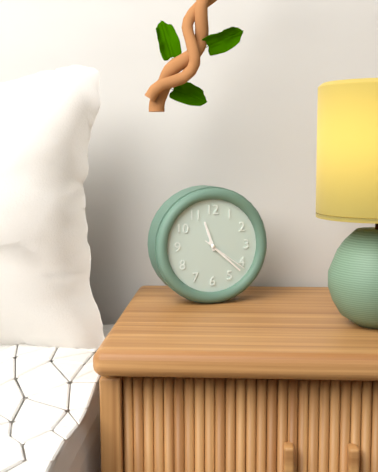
11:22
